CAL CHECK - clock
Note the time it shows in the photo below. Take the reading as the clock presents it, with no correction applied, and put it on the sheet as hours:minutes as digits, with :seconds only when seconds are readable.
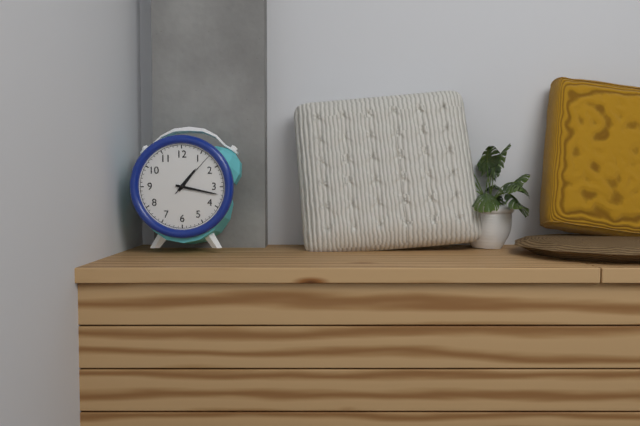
1:17
